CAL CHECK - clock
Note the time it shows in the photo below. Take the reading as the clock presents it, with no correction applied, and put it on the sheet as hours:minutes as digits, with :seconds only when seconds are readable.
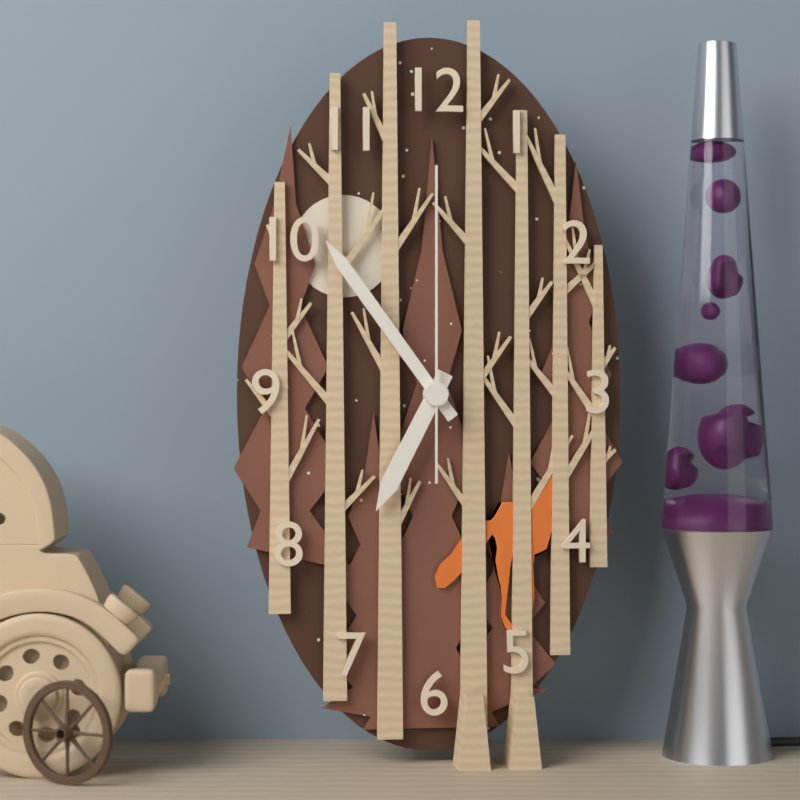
6:54:00
